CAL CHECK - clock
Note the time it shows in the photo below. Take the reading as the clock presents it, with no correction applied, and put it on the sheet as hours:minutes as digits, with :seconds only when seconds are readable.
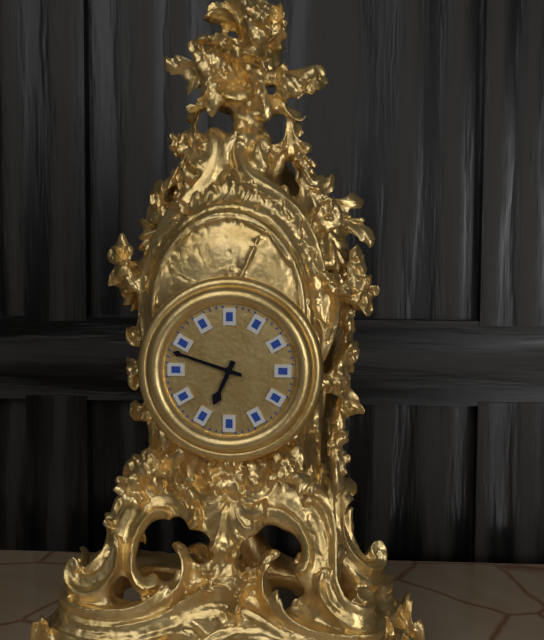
6:48
